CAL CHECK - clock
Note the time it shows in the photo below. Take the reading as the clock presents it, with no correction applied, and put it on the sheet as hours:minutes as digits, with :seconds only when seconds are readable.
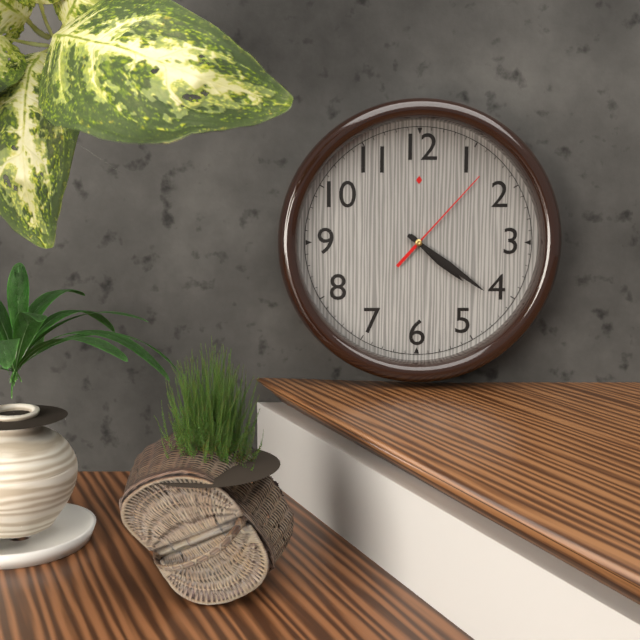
4:21:07
